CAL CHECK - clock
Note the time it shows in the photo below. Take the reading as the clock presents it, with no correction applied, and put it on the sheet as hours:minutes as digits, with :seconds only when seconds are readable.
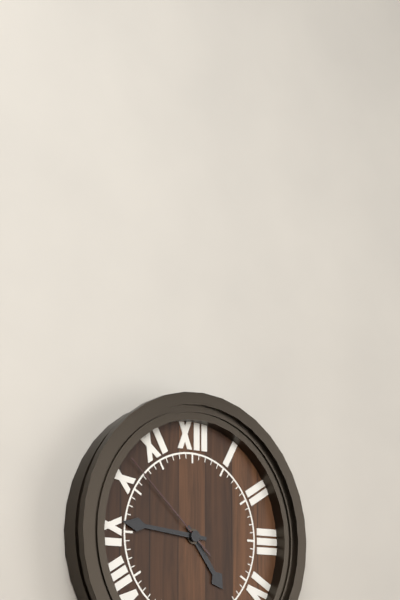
4:46:52
